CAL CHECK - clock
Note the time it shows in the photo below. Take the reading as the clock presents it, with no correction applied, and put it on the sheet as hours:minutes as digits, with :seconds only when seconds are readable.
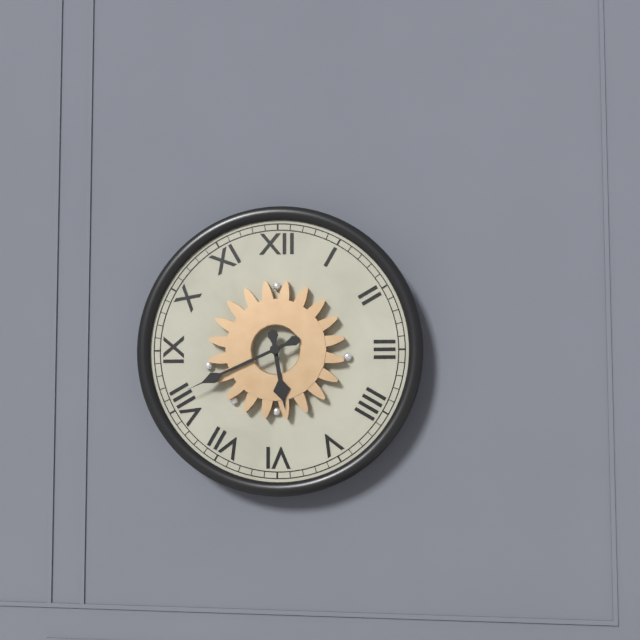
5:41
